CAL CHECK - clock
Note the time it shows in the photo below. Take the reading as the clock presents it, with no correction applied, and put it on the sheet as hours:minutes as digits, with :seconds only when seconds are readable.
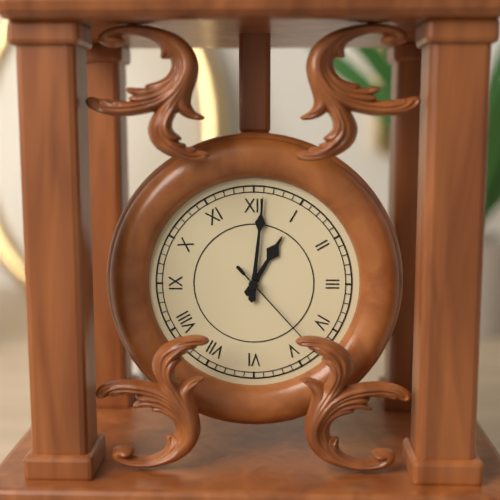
1:01:23
